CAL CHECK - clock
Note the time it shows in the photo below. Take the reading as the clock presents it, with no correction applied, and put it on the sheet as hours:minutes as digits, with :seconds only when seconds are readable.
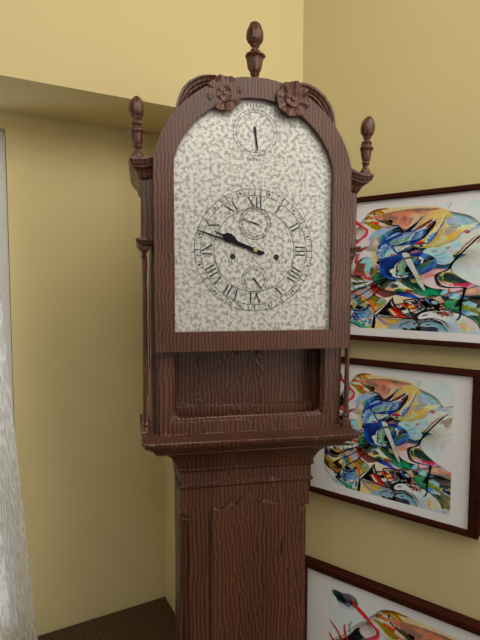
9:48
